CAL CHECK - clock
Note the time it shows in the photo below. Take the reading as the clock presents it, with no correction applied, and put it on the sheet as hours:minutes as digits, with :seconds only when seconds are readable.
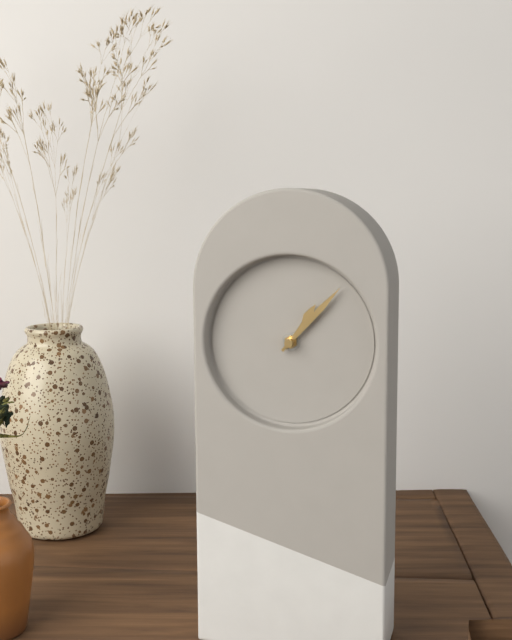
1:07
